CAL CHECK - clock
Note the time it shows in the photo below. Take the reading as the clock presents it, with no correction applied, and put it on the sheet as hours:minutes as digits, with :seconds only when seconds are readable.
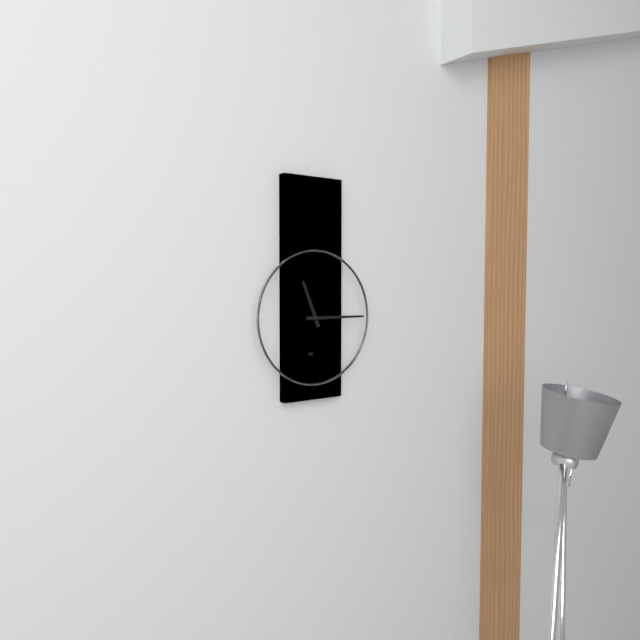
11:15
